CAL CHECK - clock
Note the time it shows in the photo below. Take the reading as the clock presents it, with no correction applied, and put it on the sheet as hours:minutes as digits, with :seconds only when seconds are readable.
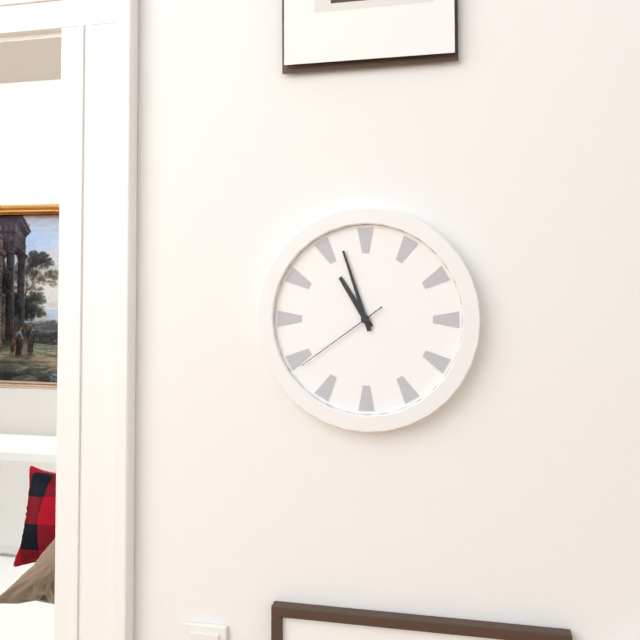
10:57:39
